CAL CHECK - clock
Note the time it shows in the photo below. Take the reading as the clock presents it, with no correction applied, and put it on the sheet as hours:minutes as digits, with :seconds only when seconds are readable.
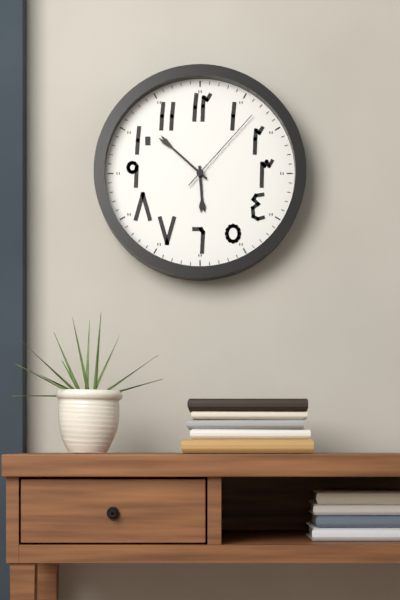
5:52:07
